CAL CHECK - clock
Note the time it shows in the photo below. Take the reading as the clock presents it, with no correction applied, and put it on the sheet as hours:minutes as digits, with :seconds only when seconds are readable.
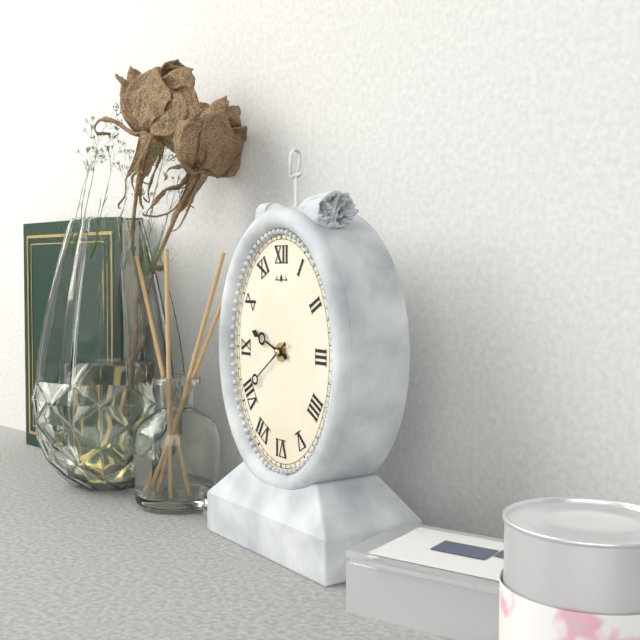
9:39
